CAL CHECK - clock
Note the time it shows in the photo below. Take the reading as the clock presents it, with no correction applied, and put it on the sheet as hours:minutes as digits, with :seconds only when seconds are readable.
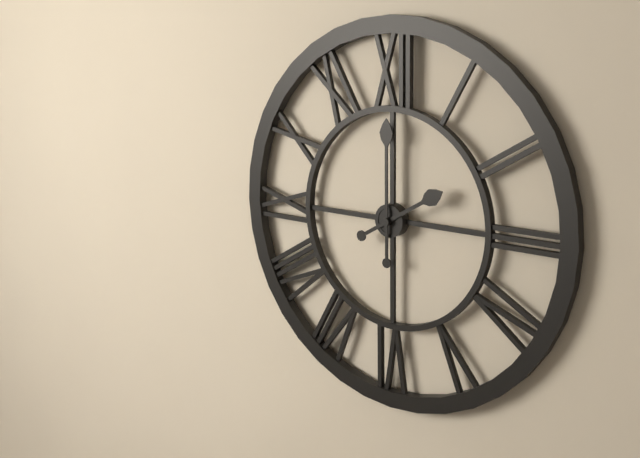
2:00
